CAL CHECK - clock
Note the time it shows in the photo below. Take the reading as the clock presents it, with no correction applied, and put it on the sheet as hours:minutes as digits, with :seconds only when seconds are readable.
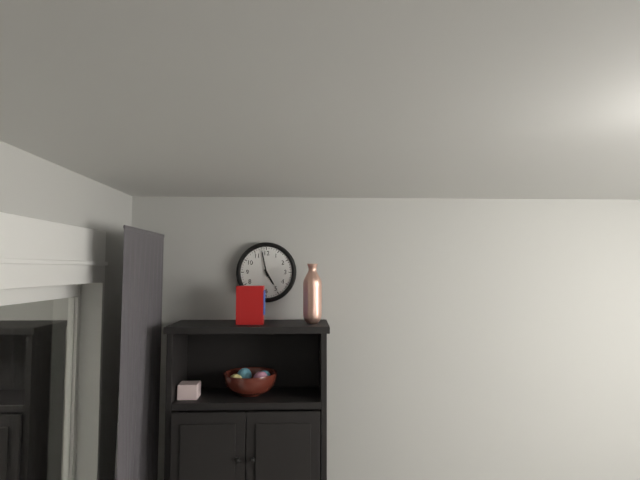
4:58
